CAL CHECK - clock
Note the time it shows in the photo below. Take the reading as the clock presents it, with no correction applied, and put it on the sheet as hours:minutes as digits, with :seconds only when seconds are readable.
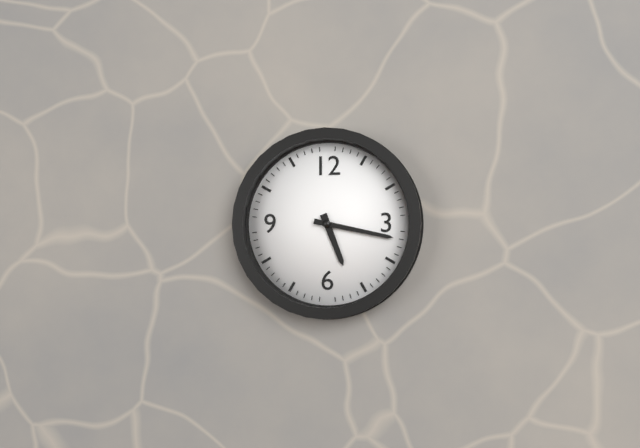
5:17
